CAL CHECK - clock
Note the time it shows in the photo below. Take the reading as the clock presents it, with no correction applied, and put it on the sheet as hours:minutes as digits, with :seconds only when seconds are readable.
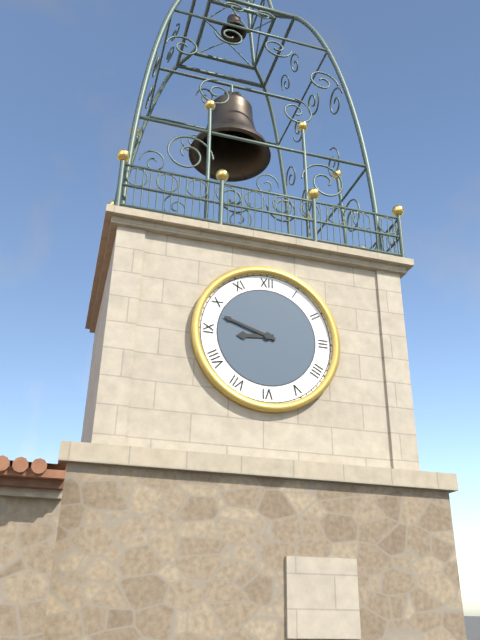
8:48
